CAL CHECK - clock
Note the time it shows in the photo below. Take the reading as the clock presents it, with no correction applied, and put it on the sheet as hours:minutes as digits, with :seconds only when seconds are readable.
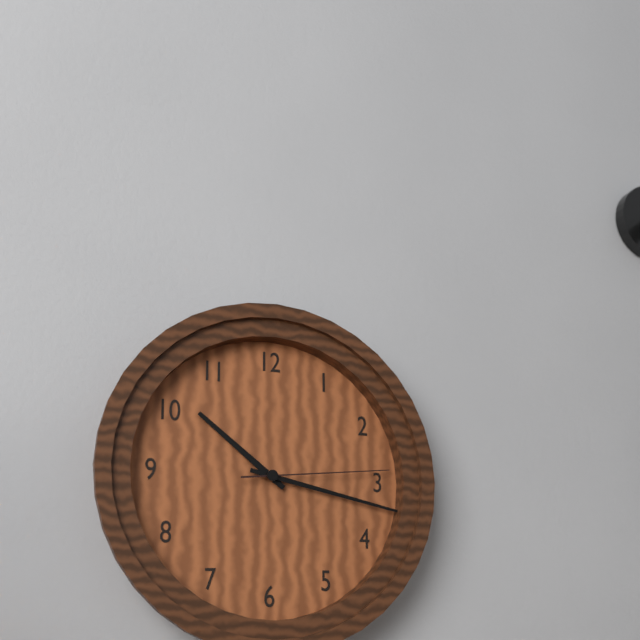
10:17:14
